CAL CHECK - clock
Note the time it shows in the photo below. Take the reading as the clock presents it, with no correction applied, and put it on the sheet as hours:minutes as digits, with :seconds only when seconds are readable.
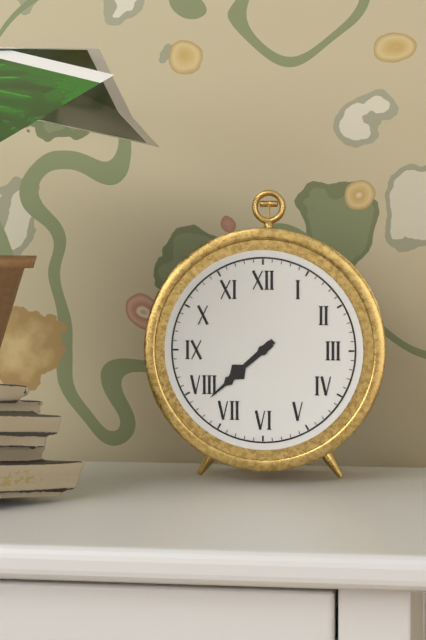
7:38
